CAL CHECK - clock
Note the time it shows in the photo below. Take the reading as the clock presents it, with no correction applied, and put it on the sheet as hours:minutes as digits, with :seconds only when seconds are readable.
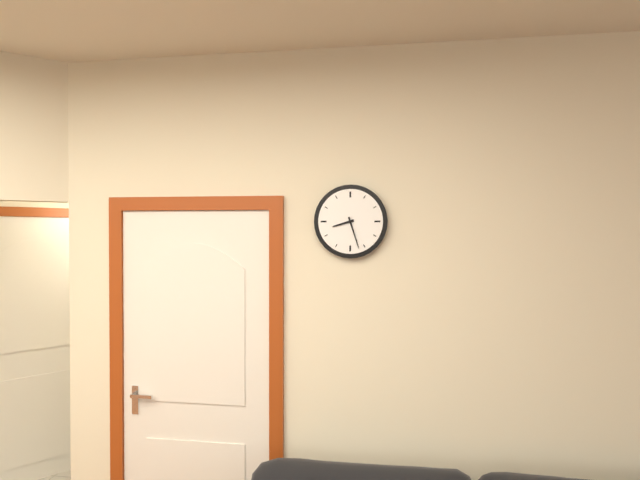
8:27
